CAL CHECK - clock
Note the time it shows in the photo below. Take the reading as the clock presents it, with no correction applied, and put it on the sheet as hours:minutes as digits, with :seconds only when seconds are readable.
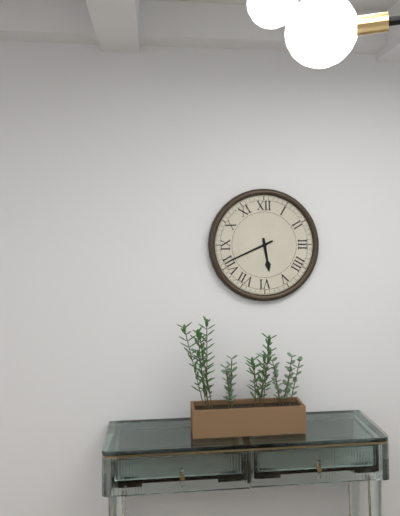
5:41
